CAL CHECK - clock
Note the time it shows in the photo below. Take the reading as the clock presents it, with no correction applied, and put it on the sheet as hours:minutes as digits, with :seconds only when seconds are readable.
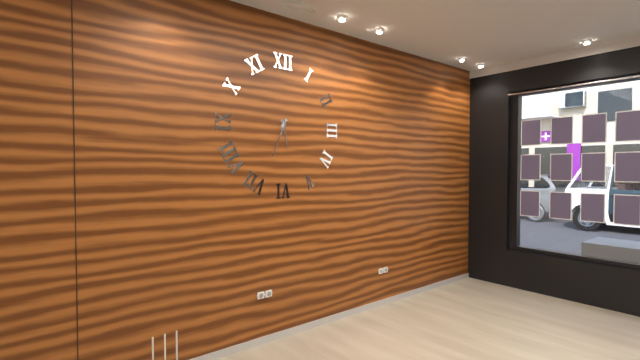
5:34
